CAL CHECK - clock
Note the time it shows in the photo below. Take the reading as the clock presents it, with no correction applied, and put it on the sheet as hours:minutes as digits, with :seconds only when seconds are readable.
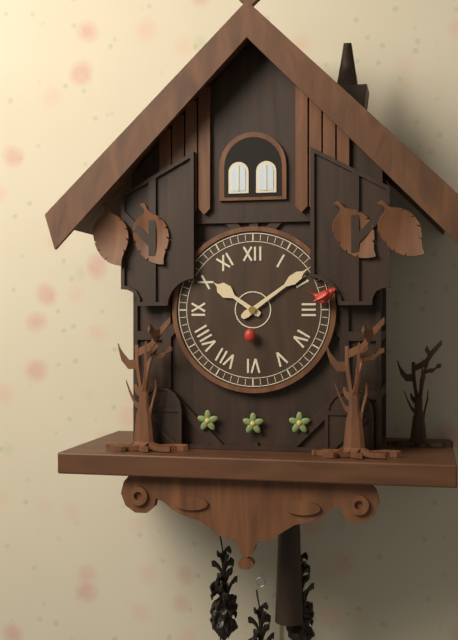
10:09
